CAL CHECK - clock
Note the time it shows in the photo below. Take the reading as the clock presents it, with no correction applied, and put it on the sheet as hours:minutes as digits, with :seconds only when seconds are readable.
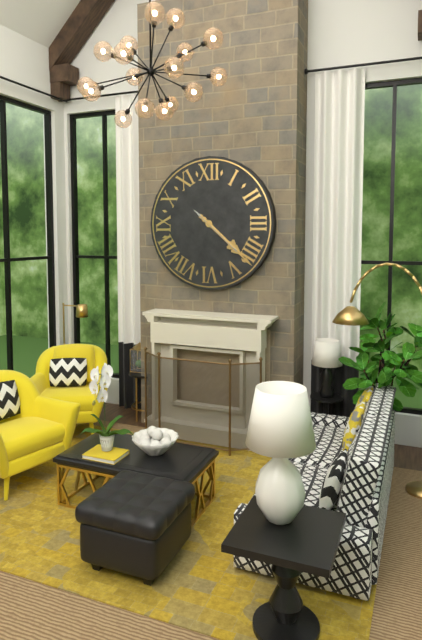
4:22:22
